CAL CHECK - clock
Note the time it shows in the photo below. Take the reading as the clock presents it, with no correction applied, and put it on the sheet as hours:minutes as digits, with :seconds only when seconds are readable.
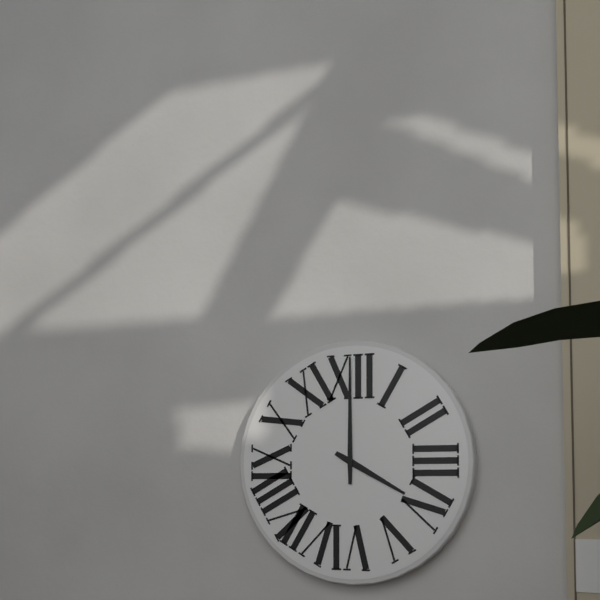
4:00
